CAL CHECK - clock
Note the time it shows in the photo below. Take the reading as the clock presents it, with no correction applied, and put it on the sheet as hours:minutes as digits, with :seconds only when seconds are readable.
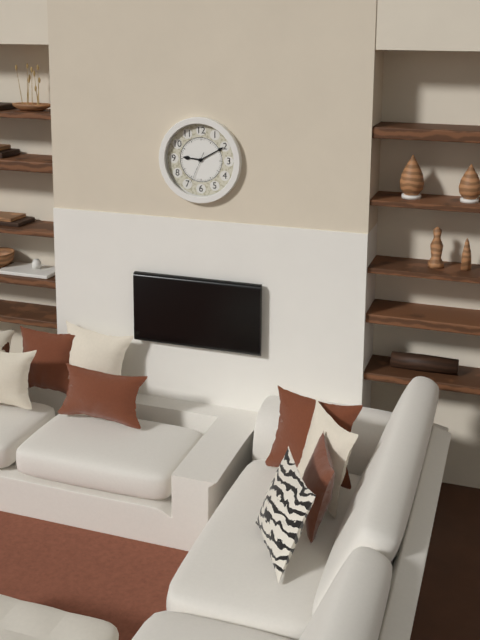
9:10
